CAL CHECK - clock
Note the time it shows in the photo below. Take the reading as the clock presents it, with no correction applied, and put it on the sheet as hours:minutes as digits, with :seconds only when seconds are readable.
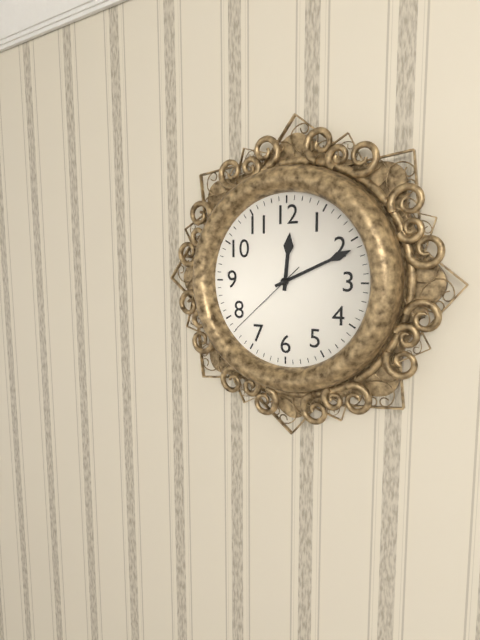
12:11:38
